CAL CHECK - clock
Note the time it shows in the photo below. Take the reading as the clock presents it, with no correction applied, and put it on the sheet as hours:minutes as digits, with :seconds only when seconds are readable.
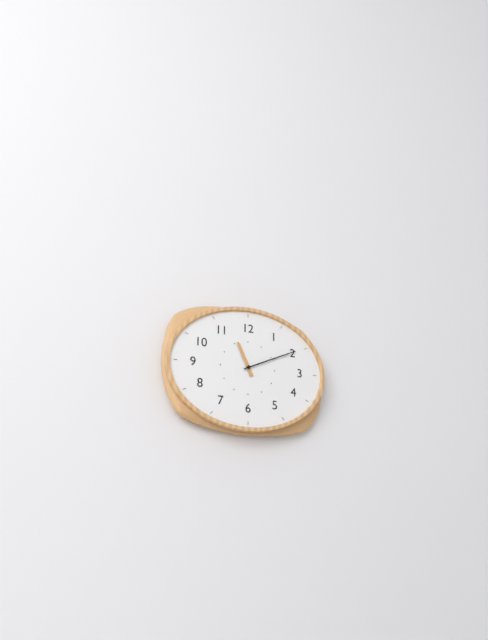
11:11
